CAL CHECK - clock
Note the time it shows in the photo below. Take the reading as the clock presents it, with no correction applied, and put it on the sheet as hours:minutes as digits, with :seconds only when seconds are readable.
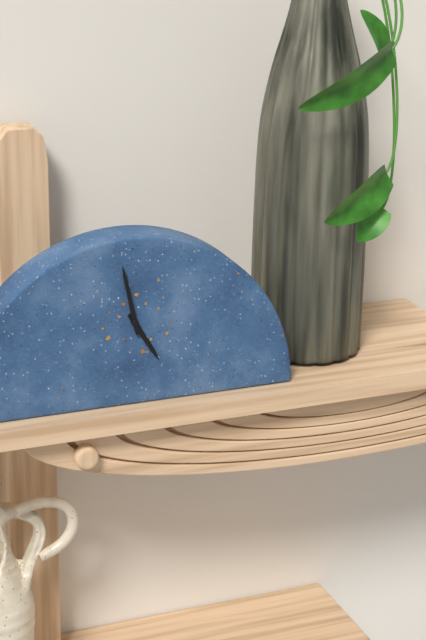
4:58
